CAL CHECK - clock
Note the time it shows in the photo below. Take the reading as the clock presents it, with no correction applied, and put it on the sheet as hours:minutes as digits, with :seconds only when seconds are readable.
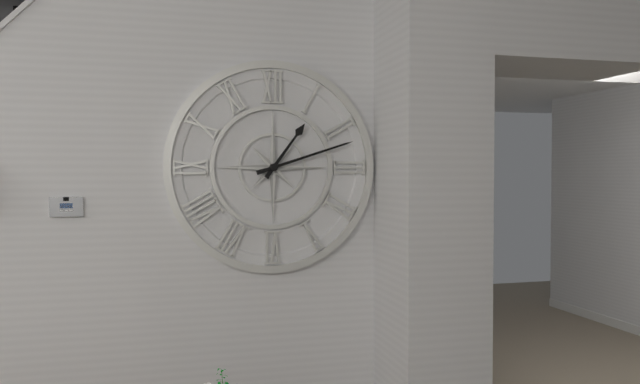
1:12
